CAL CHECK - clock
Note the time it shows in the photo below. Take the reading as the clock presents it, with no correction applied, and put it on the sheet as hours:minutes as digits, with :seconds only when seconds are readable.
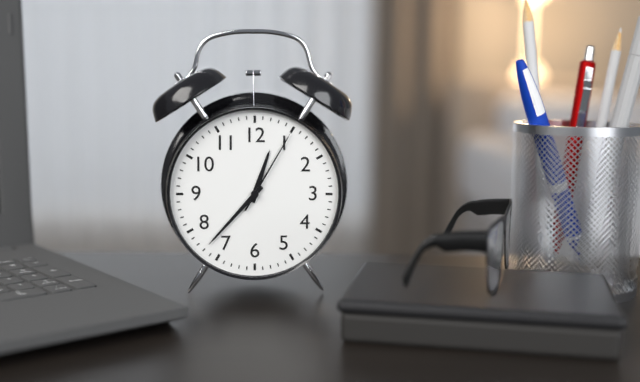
12:37:05
